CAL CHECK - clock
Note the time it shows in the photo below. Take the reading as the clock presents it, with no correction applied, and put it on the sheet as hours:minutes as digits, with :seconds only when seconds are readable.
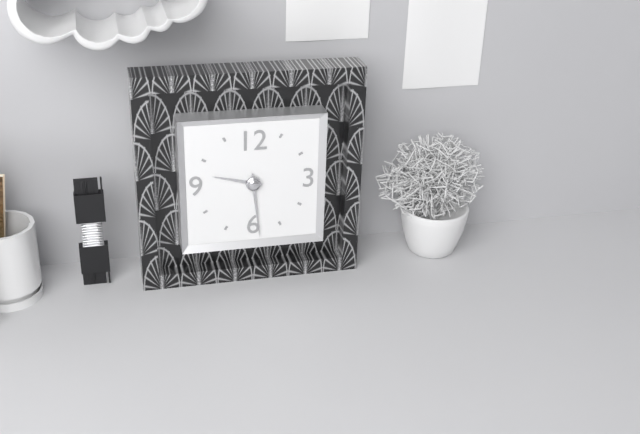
9:29
